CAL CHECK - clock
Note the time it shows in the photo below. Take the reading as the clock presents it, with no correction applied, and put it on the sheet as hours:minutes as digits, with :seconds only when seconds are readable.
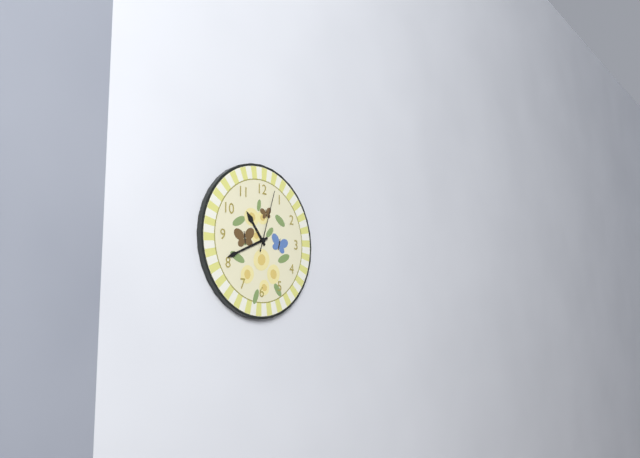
10:41:03
